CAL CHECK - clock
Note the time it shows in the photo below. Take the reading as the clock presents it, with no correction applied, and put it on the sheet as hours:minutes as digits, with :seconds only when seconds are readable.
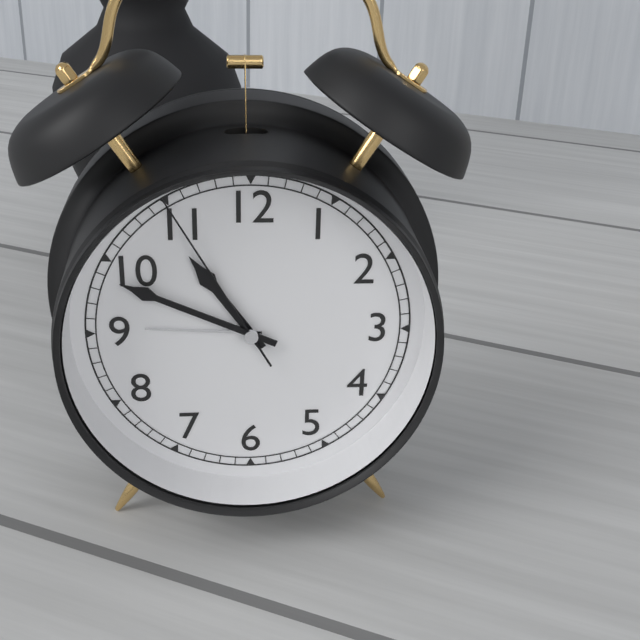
10:49:55
